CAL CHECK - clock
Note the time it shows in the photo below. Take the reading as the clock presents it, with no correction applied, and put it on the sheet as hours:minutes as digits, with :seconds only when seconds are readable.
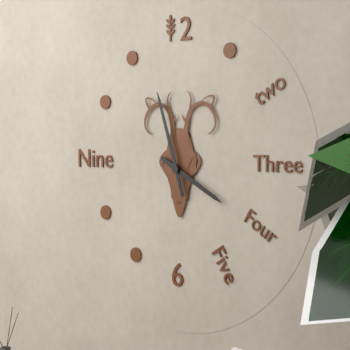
3:57
